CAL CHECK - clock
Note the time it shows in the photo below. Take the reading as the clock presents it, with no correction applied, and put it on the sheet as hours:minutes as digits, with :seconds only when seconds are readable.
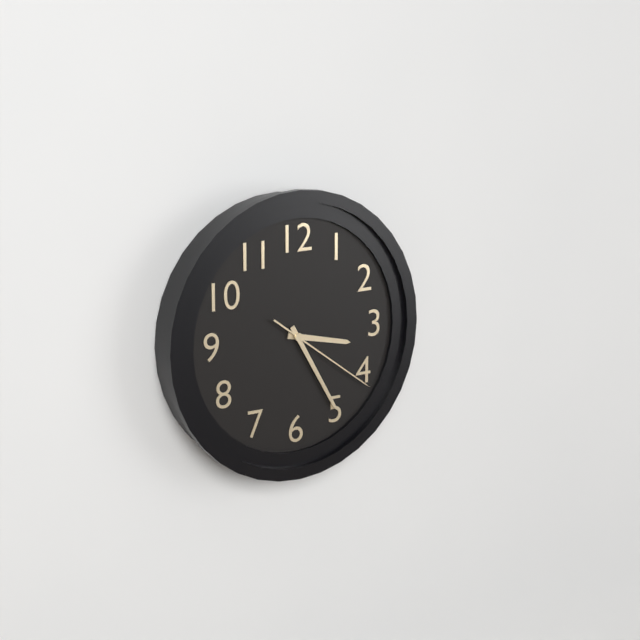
3:25:21
